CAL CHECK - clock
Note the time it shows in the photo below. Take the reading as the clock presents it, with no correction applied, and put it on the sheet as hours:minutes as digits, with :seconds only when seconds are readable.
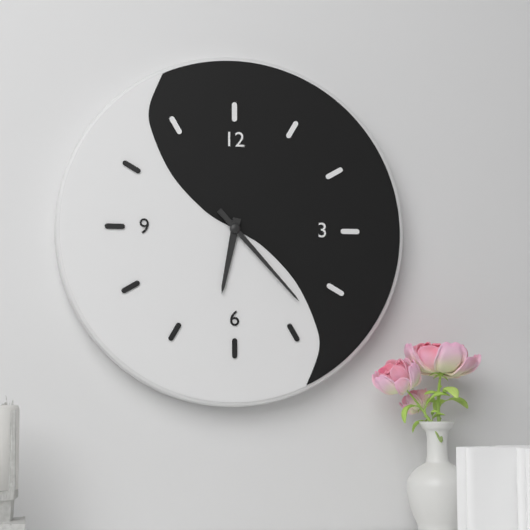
6:23
